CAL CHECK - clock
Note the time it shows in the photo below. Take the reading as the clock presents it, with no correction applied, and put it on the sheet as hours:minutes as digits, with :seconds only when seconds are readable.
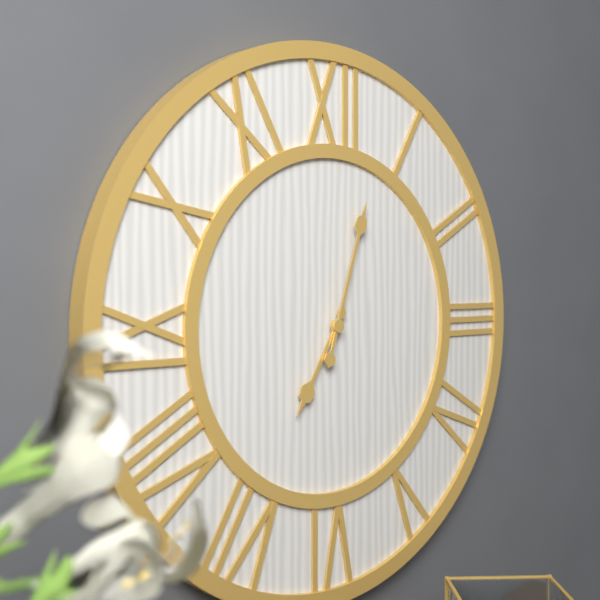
7:03
